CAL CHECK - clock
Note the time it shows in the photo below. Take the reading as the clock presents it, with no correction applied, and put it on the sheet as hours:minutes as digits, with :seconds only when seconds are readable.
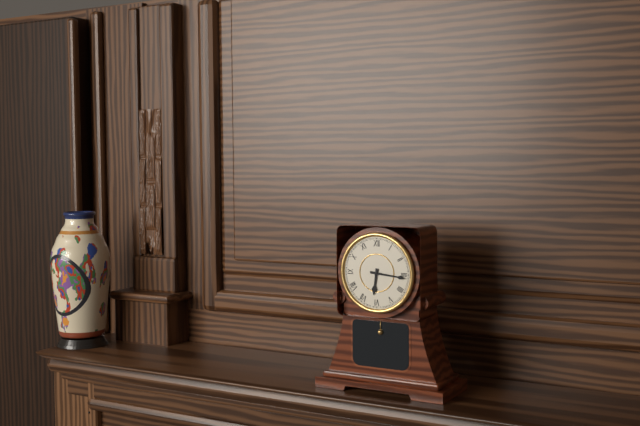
6:16
